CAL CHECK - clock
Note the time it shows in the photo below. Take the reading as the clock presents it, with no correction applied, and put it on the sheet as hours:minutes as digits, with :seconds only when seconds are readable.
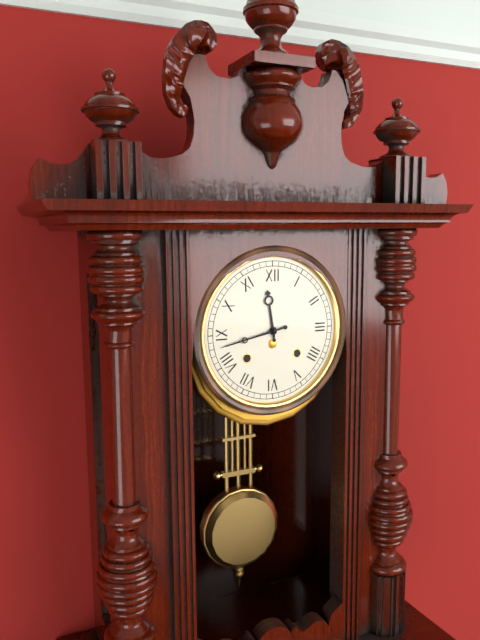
11:43
